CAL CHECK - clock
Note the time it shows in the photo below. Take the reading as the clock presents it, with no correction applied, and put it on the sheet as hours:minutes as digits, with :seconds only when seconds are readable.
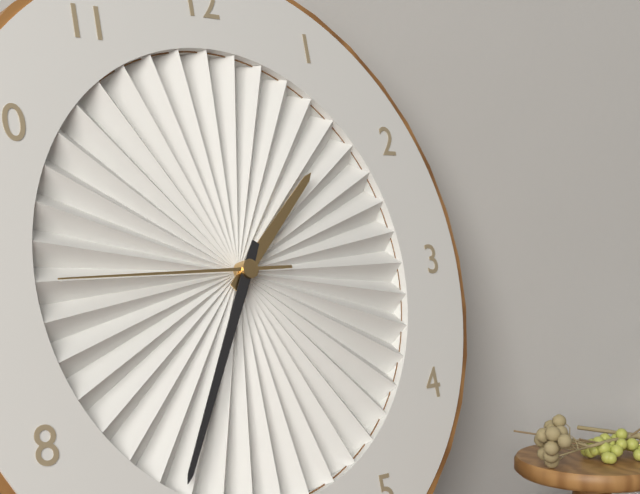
1:35:45
